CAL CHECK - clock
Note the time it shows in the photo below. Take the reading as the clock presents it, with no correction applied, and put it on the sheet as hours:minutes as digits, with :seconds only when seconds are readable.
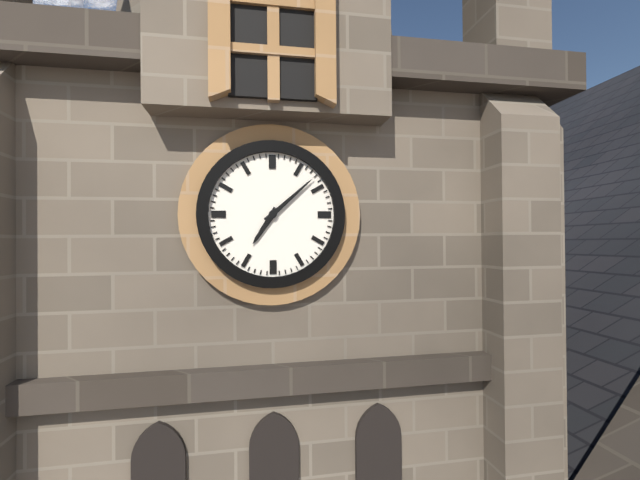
7:08
